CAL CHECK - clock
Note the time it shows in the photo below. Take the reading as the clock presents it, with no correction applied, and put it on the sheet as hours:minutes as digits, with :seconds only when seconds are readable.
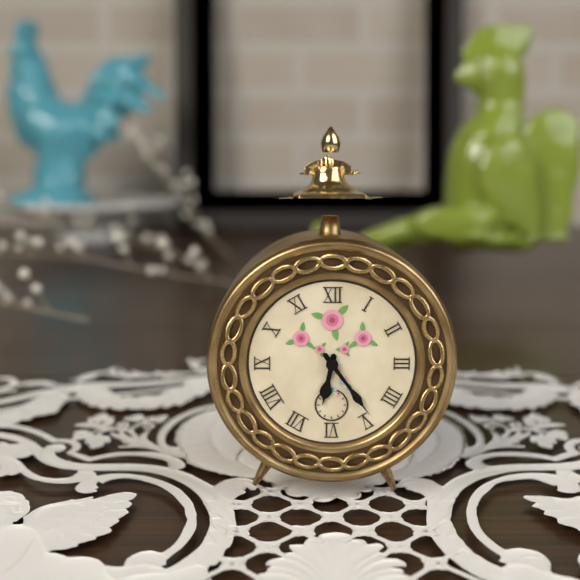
6:24
